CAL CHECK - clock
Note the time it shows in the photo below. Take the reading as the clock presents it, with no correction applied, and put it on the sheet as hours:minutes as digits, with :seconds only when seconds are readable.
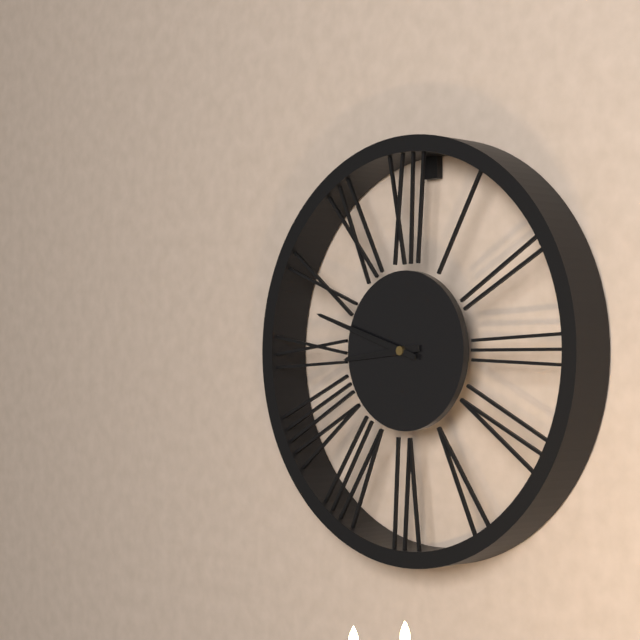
8:48
